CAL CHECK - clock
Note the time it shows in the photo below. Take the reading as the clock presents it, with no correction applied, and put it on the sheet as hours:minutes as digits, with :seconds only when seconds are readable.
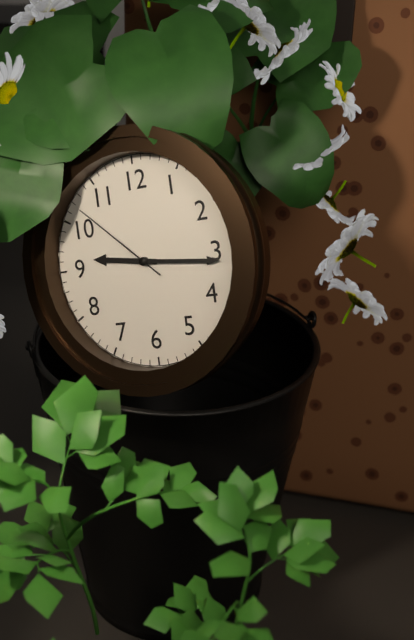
9:16:52
